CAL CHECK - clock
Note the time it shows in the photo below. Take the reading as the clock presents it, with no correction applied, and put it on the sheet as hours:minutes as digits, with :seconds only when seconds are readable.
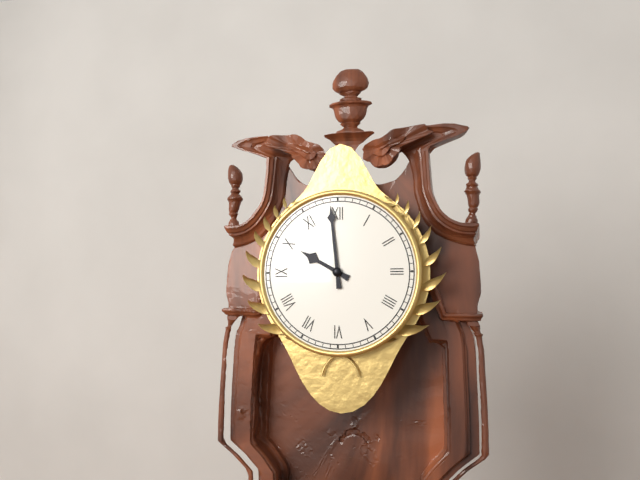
9:59
